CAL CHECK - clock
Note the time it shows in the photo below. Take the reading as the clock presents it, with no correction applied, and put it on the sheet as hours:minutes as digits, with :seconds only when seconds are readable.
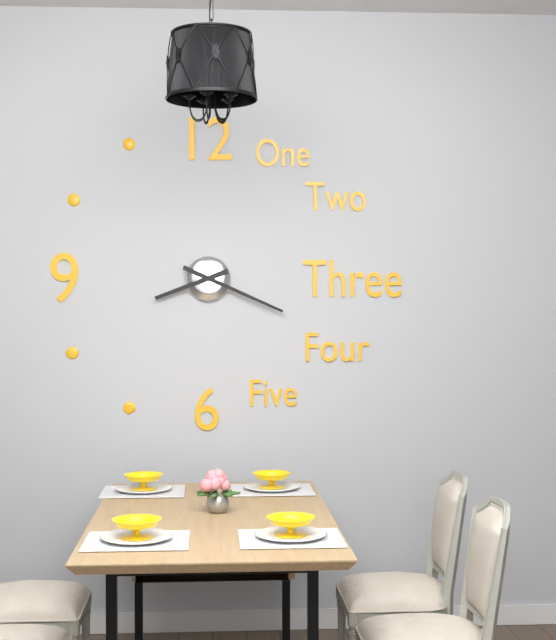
8:19
